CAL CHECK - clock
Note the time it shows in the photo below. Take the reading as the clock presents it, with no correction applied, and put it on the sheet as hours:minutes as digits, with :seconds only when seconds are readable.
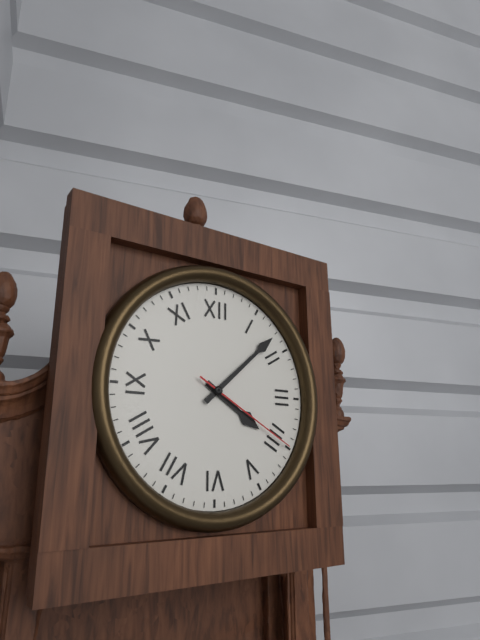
4:08:20
